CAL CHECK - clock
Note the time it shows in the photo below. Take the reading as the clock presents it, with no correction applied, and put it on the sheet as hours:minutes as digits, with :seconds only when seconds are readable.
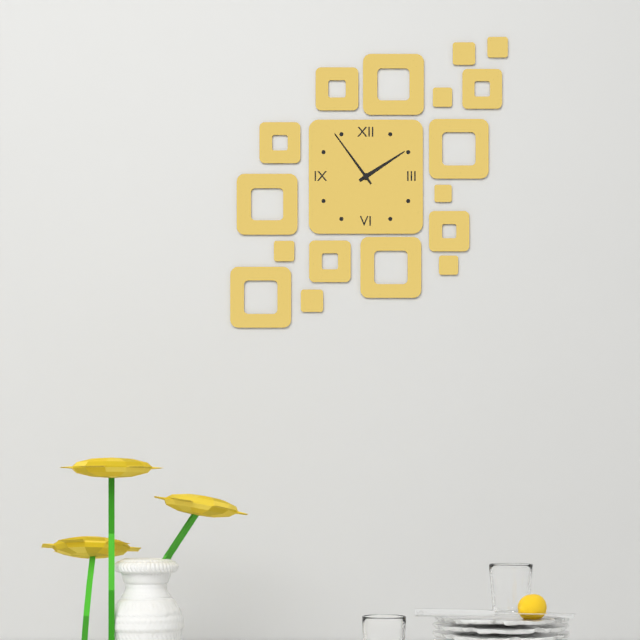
1:54
